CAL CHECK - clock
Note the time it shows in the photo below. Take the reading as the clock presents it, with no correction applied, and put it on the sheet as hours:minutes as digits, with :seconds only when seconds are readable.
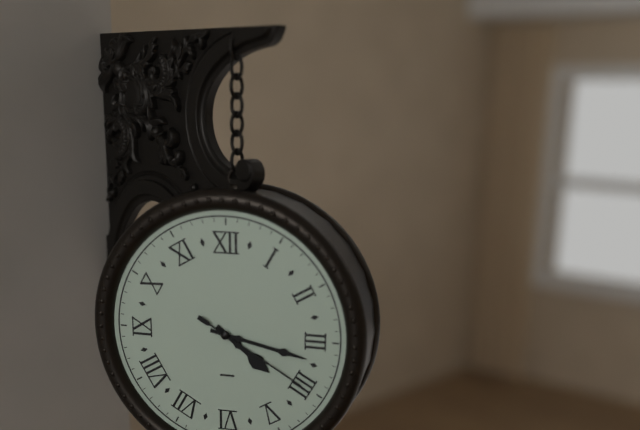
4:17:20
